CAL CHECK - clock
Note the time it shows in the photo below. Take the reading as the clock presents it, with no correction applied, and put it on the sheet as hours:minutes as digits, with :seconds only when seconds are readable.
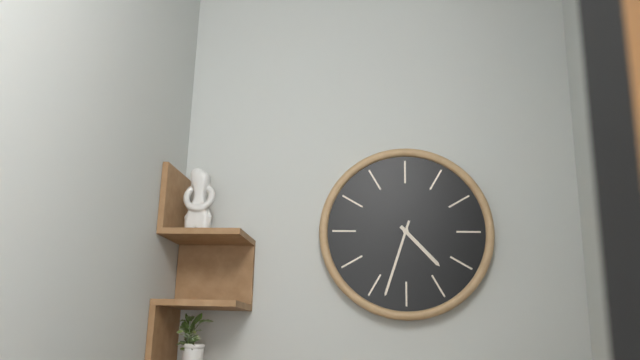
4:33
